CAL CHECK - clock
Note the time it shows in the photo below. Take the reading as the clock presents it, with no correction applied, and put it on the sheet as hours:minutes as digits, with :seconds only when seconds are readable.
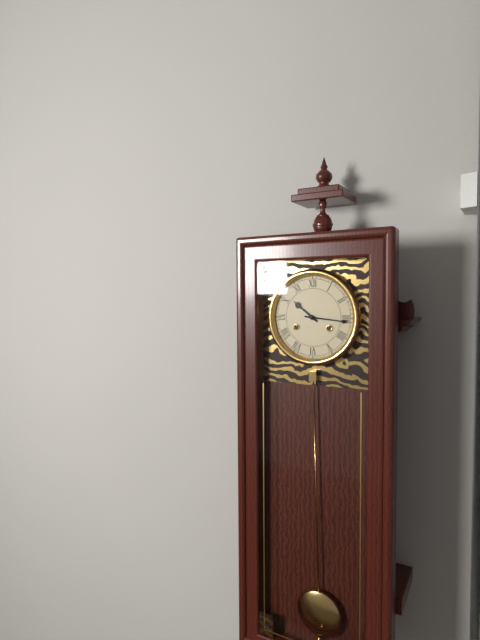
10:16
